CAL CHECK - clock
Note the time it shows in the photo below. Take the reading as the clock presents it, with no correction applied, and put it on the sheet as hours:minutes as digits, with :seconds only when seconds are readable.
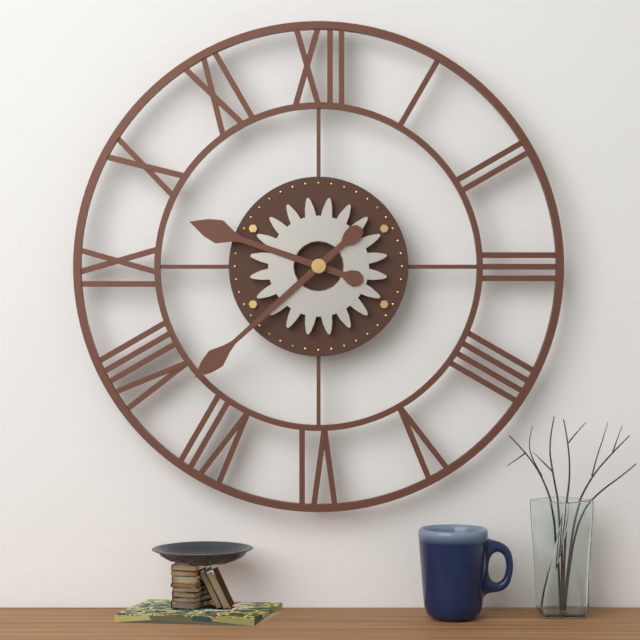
9:38
